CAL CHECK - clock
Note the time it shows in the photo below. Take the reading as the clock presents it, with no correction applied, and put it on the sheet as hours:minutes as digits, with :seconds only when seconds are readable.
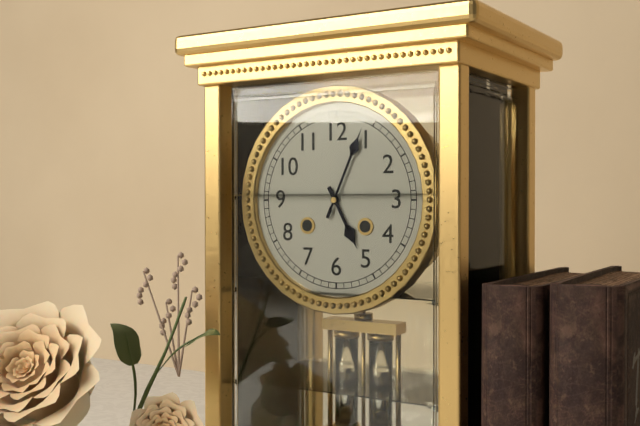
5:04
